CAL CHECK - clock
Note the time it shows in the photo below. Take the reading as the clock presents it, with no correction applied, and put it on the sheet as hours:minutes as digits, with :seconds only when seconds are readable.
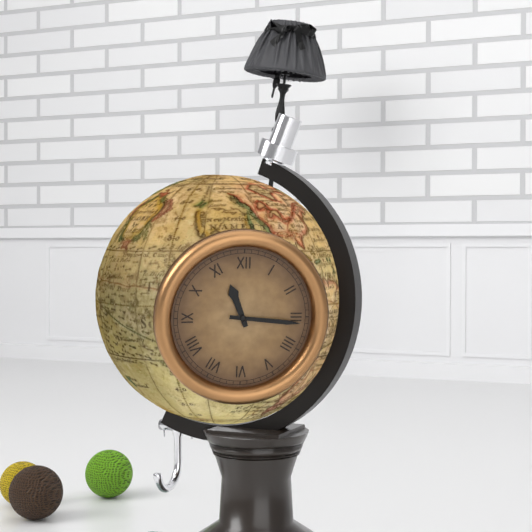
11:16
